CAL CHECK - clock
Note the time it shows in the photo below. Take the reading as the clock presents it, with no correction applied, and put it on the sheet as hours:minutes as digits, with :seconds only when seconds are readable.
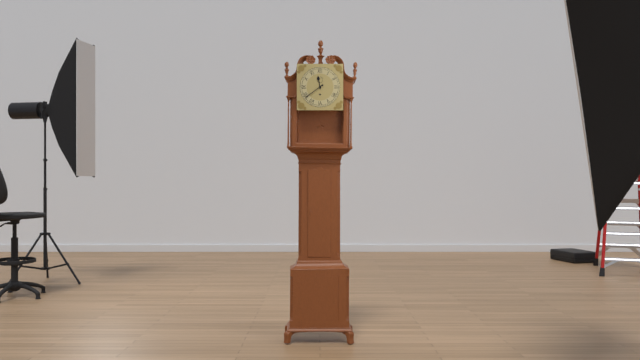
11:39
